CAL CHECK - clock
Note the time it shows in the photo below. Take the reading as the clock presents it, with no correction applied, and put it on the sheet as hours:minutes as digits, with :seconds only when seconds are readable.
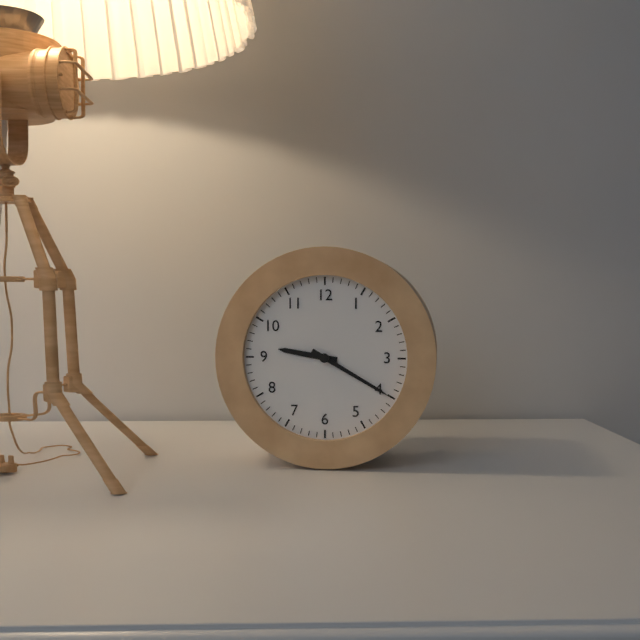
9:20
